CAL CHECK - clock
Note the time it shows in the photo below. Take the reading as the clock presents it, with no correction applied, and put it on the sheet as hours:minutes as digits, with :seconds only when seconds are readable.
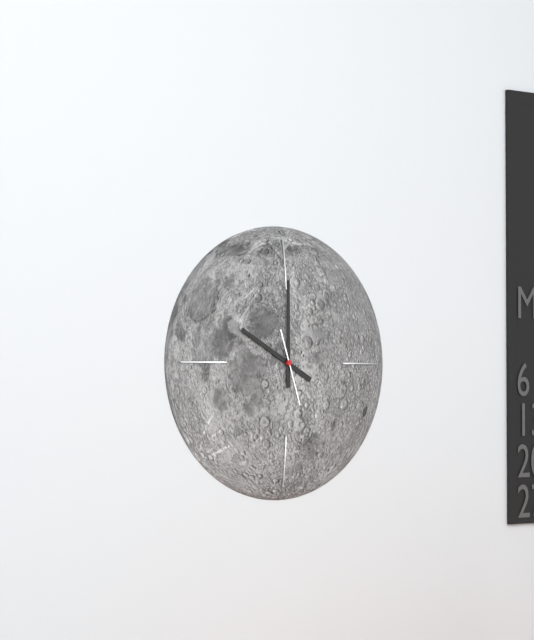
10:00:27
